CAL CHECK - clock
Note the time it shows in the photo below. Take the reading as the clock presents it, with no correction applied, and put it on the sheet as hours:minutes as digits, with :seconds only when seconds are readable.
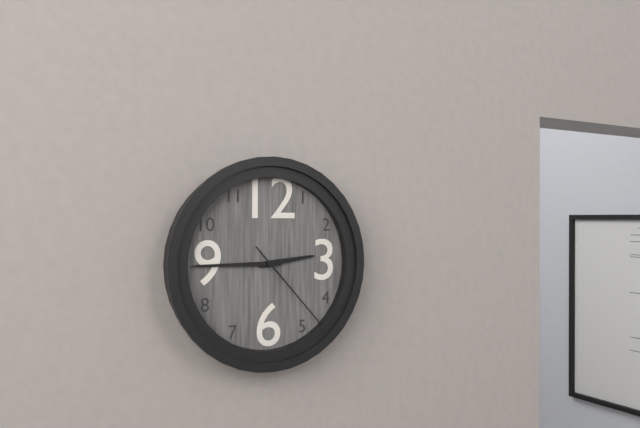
2:45:23
